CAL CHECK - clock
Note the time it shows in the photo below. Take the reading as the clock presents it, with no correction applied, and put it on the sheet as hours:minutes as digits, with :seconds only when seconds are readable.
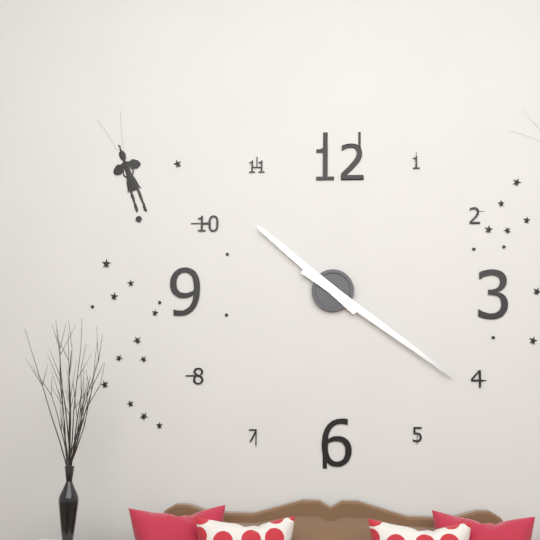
10:21
